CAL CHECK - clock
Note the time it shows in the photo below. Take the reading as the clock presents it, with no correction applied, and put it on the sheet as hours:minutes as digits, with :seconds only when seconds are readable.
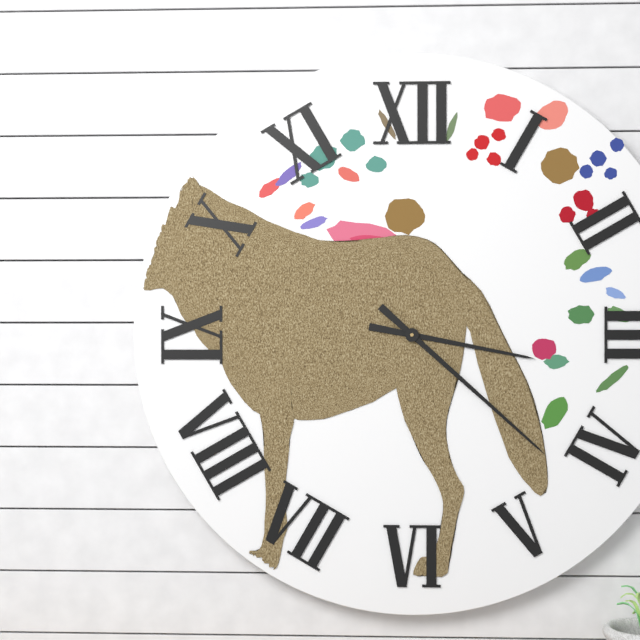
3:22
